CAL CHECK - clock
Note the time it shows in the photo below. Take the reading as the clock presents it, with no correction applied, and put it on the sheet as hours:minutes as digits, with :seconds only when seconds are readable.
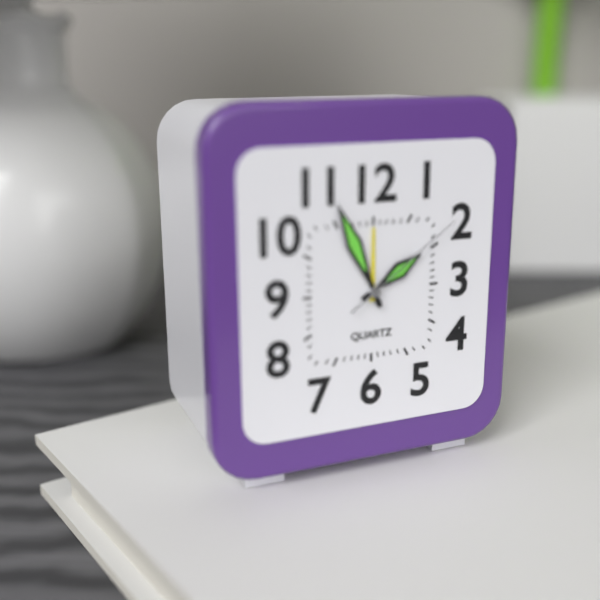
1:56:09
